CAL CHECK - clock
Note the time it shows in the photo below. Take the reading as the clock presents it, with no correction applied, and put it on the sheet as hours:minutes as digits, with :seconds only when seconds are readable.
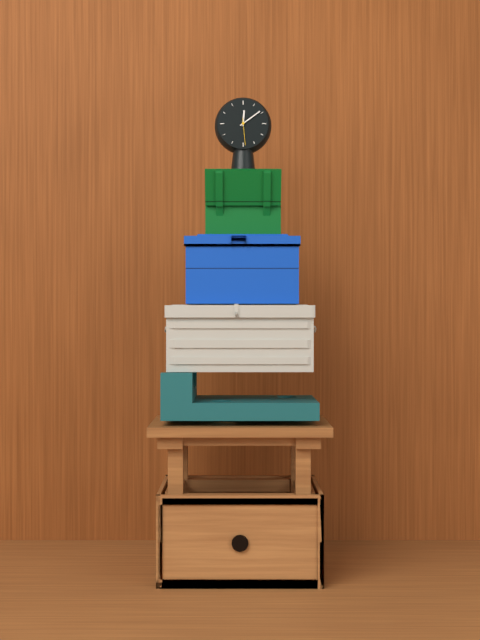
12:09
